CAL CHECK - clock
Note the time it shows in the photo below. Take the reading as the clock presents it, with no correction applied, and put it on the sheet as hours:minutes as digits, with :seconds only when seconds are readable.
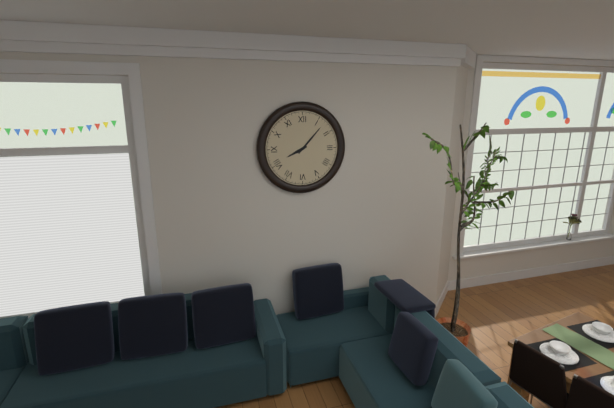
8:07
